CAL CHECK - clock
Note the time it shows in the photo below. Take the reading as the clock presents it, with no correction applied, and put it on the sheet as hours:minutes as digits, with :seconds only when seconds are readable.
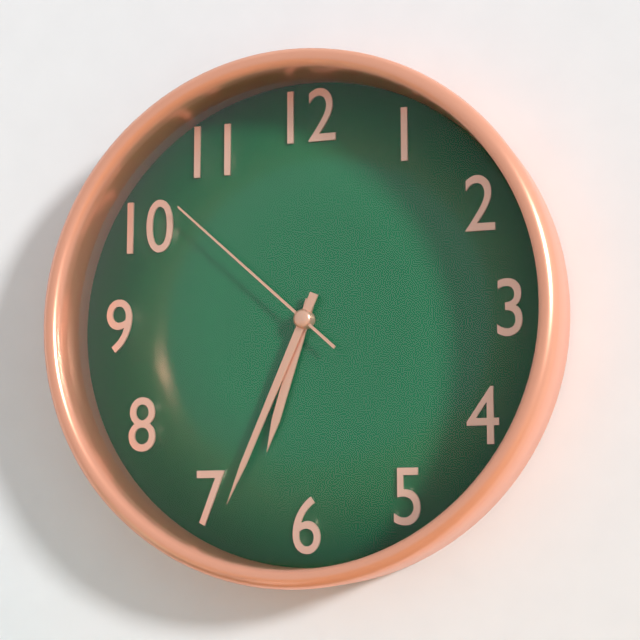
6:34:52
